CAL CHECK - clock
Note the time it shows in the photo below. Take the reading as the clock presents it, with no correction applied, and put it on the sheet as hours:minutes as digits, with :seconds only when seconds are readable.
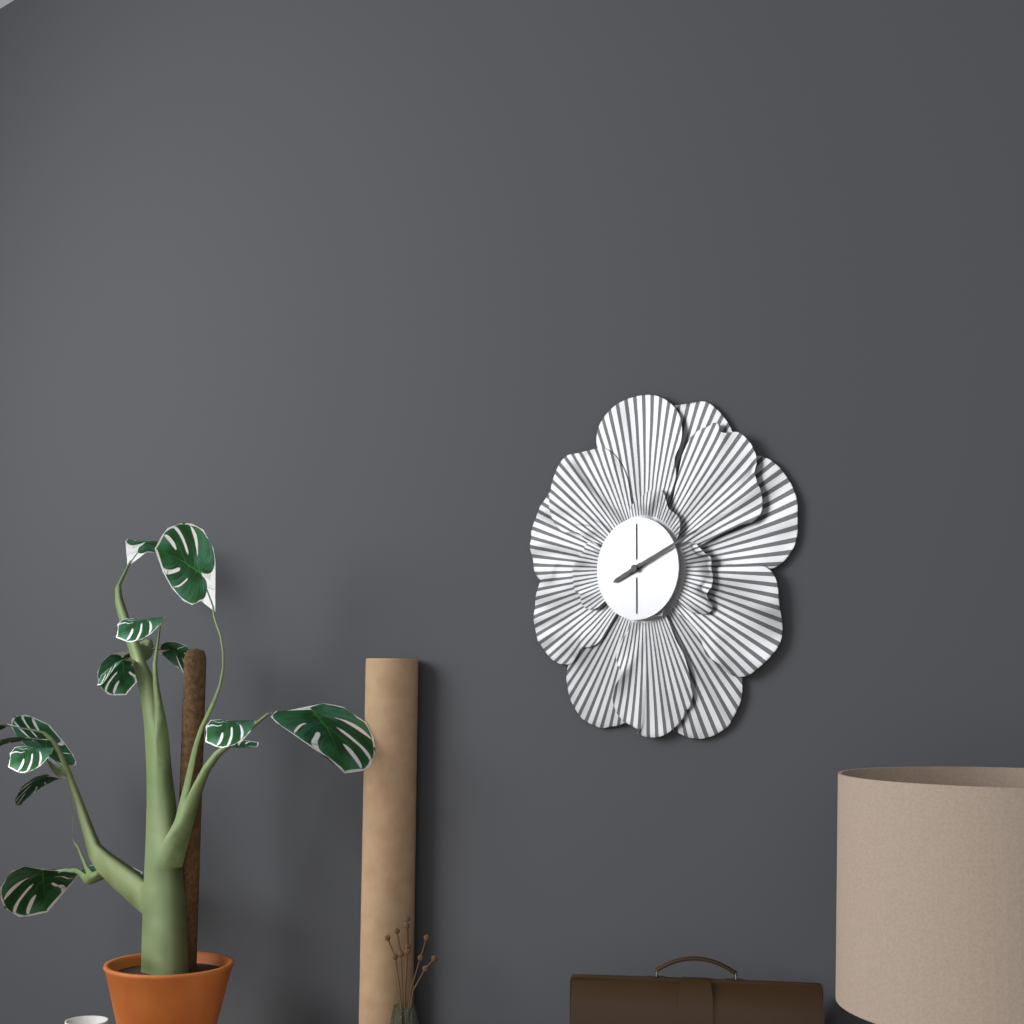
8:11
